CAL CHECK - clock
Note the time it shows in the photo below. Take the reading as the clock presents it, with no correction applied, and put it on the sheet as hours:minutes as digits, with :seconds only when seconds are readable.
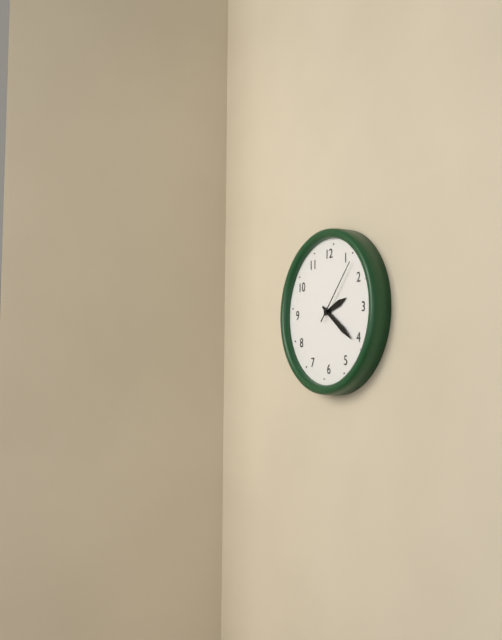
2:21:07
